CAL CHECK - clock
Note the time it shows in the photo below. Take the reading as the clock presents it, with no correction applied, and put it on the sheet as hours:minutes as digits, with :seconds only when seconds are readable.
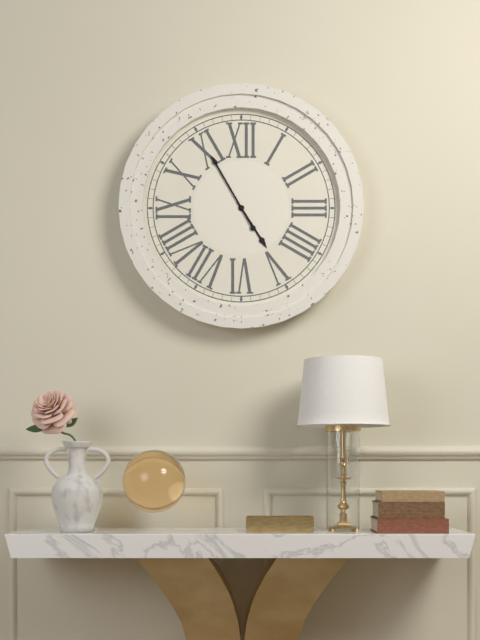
4:55
